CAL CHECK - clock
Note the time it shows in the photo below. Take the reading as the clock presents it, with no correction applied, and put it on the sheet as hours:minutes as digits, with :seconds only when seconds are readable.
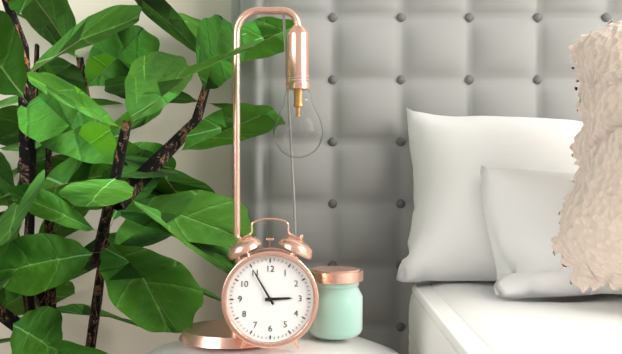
2:55
